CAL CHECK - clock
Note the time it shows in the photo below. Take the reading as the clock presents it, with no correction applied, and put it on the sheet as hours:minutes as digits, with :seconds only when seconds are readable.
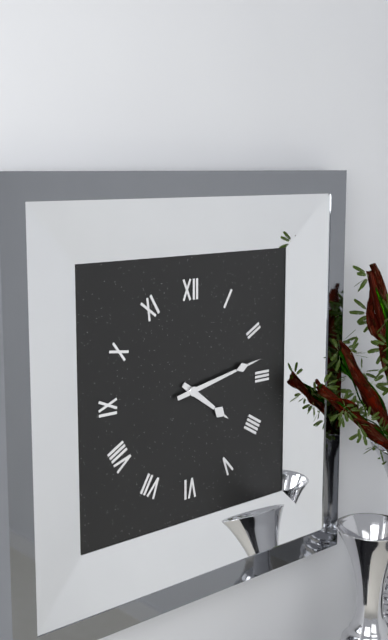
4:13
